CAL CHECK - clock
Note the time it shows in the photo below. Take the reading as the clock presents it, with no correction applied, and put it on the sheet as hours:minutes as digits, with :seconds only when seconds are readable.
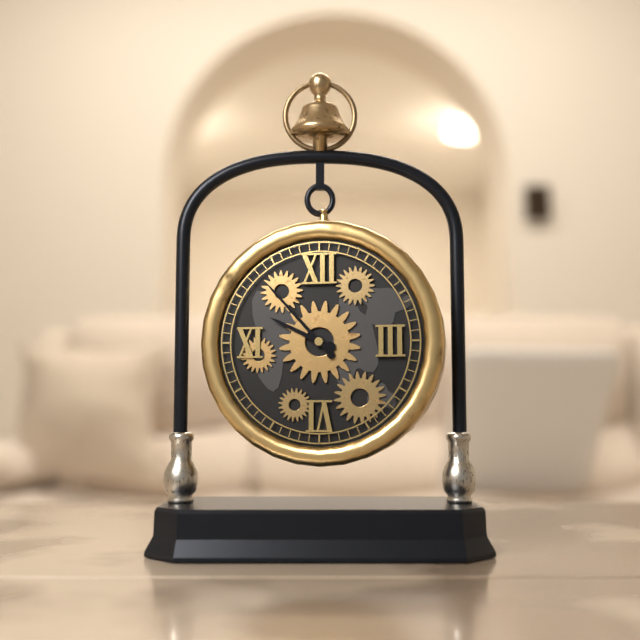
9:53
